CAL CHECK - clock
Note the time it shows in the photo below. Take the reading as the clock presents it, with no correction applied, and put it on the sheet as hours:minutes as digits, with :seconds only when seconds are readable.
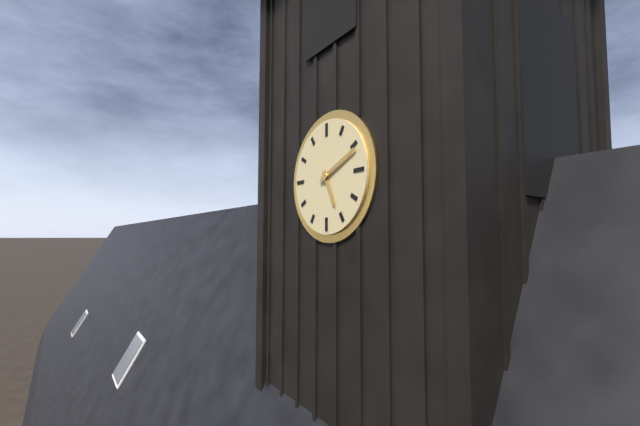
5:11
